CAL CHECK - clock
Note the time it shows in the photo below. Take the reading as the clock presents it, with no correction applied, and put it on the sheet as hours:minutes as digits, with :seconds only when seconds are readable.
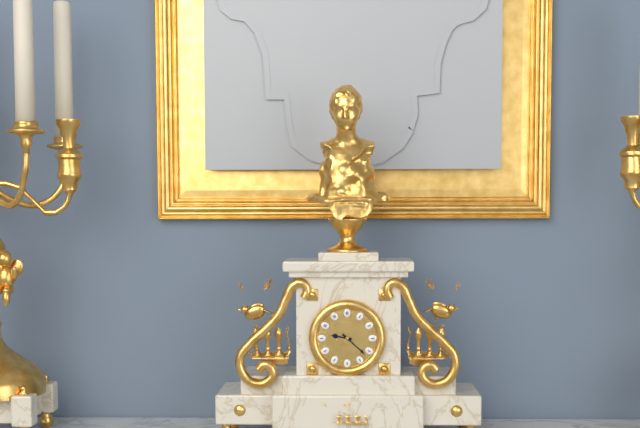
9:22
